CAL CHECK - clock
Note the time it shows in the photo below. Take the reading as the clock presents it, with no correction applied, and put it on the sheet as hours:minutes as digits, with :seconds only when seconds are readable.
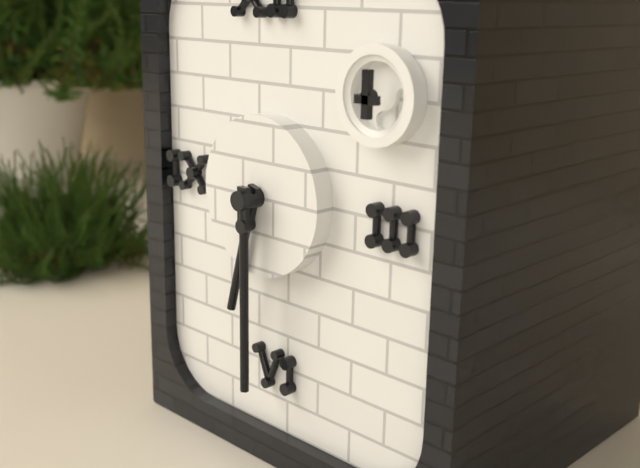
6:30
